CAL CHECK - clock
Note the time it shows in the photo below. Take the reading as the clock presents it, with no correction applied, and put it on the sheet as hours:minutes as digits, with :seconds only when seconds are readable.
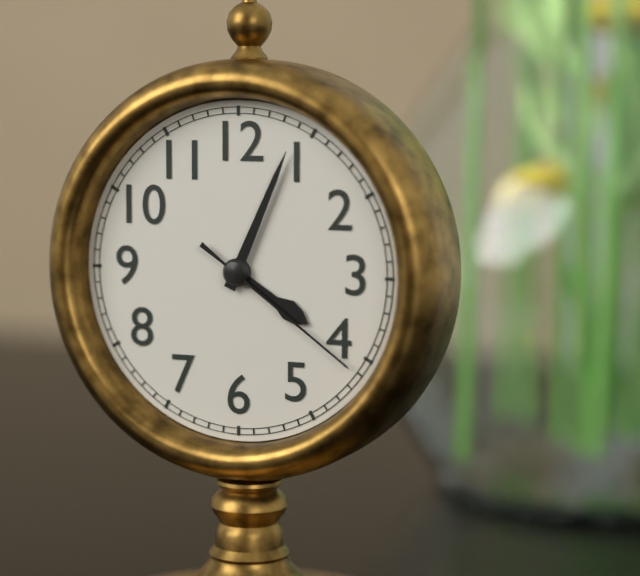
4:04:21
